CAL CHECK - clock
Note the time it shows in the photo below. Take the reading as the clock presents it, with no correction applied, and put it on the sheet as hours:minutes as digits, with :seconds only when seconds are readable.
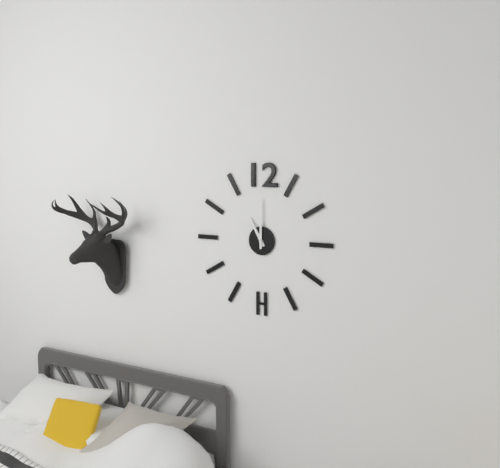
11:00
